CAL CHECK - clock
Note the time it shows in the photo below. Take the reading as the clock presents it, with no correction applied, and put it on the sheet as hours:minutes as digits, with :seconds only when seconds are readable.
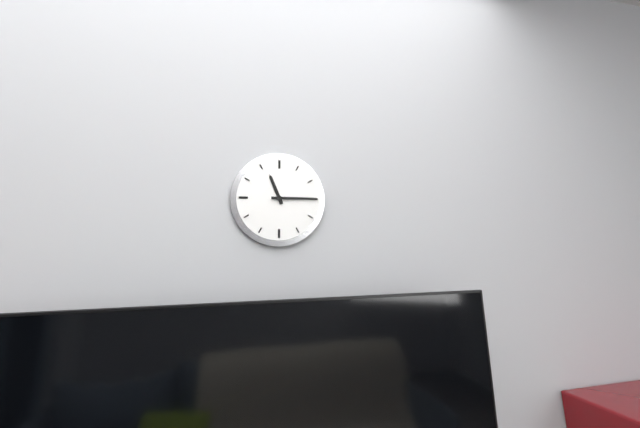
11:15
